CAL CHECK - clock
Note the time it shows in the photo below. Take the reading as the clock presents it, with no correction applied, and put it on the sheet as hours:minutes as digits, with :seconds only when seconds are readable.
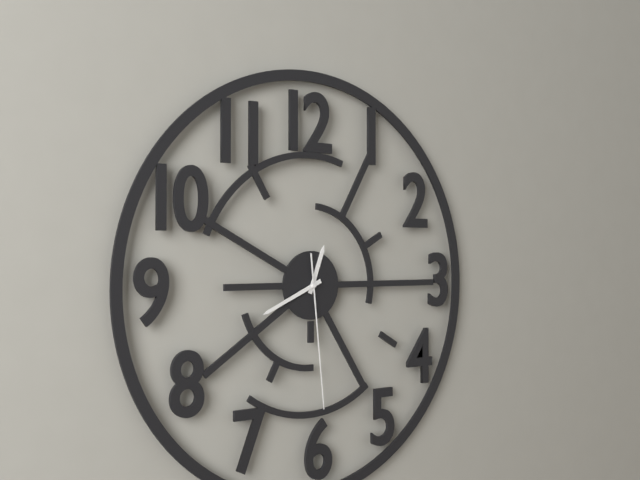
12:41:29
